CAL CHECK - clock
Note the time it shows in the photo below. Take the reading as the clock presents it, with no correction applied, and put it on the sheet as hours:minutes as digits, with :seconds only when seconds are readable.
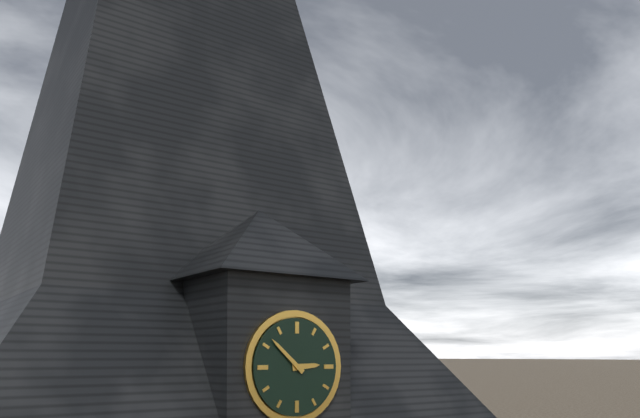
2:52
